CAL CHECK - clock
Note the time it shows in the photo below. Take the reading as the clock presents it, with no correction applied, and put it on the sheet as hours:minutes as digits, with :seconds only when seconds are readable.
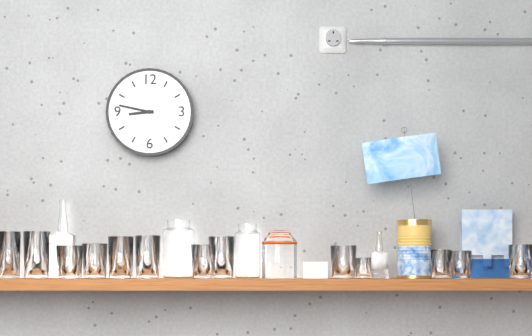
8:47
